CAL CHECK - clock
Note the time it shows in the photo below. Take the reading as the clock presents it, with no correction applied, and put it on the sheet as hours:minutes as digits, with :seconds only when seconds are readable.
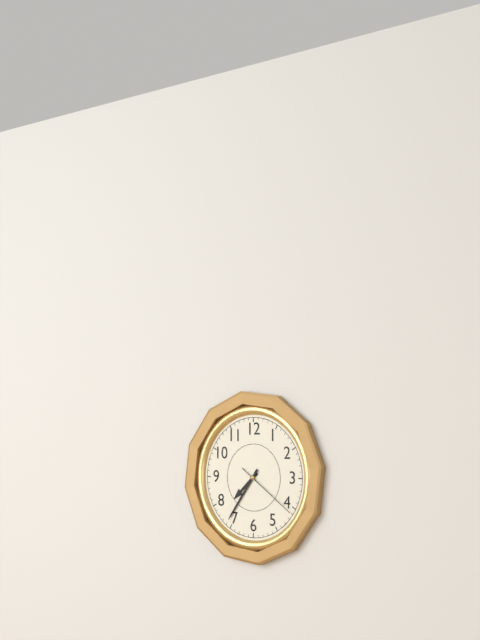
7:36:21
